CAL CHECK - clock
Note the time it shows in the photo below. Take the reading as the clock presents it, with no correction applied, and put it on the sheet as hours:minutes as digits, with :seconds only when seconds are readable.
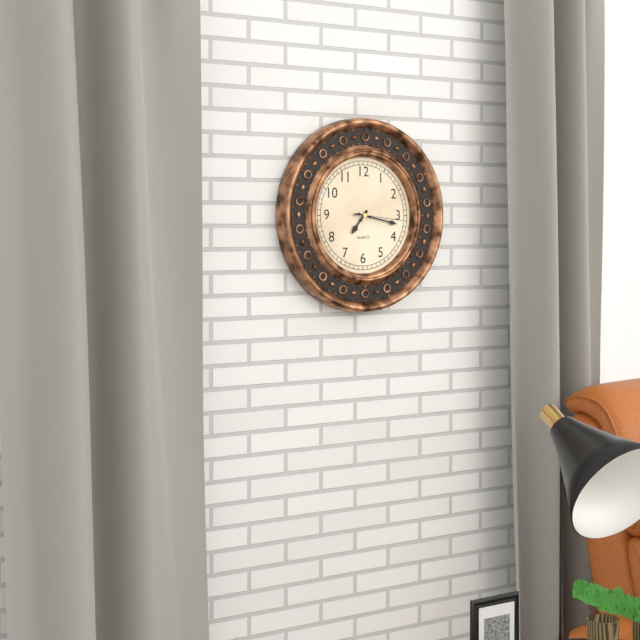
7:17
